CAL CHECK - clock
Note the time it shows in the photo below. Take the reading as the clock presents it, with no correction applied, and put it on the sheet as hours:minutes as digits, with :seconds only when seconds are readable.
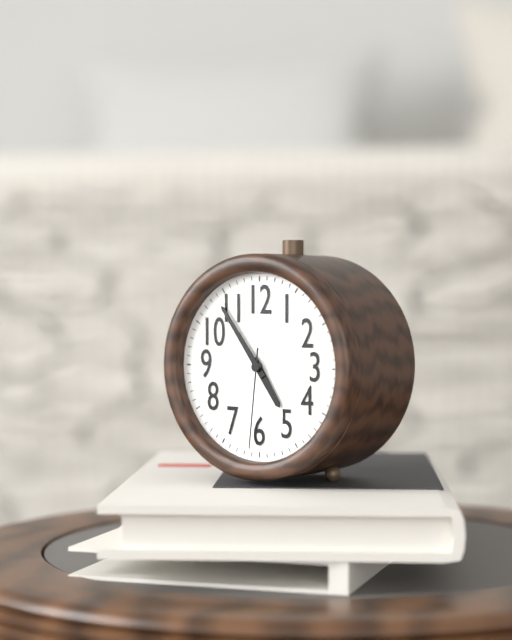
4:54:31
